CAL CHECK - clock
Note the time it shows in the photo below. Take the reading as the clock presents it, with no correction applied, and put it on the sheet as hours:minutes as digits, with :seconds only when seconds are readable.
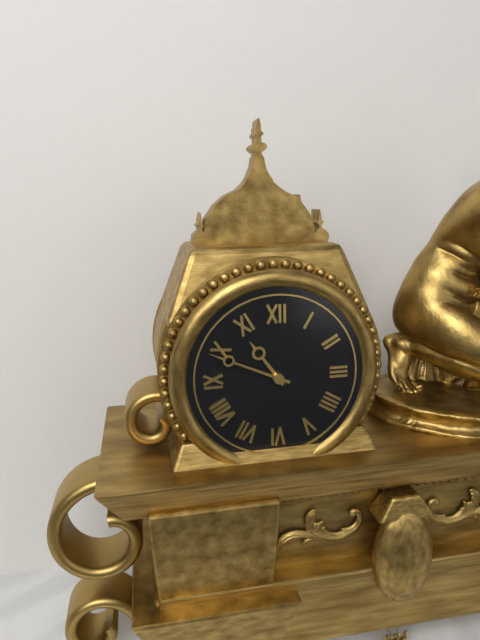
10:49
